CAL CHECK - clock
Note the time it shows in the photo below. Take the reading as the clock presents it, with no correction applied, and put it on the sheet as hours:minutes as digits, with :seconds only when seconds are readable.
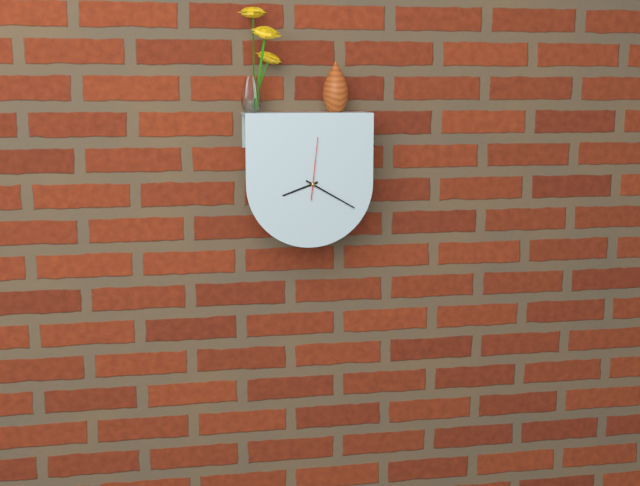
8:20:01
